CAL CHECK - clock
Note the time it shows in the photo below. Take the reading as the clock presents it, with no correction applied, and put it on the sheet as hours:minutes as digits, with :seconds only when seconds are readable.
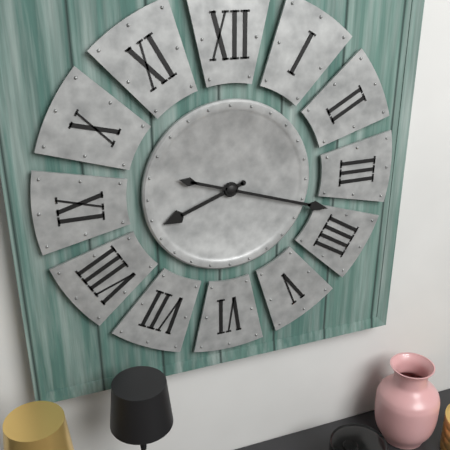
8:18
